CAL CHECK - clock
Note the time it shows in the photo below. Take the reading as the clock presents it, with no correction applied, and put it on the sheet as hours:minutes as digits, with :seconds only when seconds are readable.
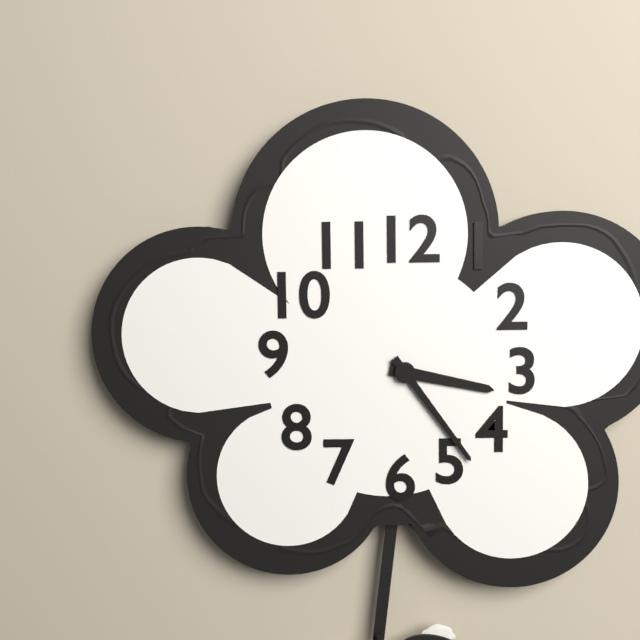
3:24
